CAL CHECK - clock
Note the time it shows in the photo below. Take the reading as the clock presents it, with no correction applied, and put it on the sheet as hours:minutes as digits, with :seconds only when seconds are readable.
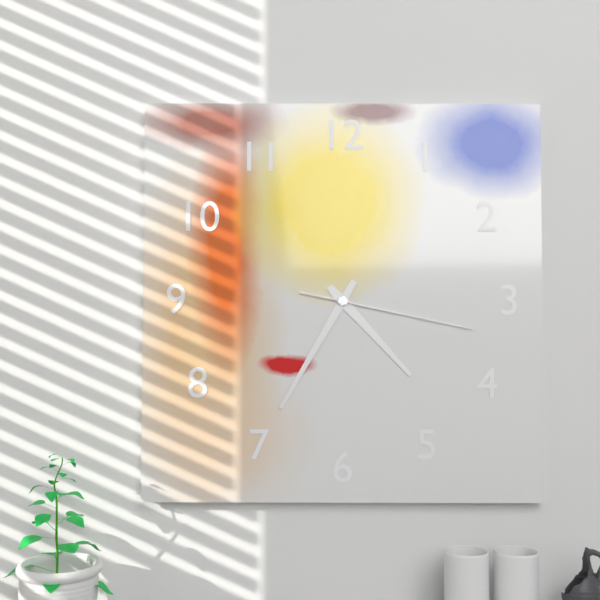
4:35:17
